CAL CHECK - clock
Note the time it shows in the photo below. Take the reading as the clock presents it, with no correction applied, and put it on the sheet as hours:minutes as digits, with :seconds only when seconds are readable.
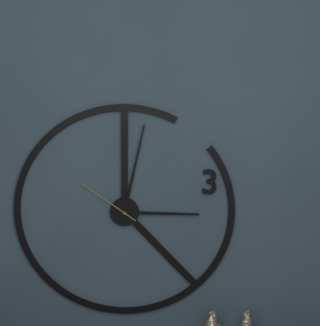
3:02:51
